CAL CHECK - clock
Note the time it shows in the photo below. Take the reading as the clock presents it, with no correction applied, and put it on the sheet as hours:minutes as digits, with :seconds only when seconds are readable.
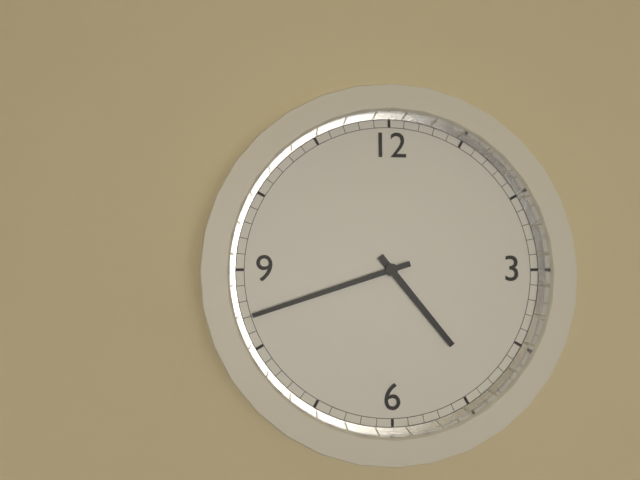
4:42
